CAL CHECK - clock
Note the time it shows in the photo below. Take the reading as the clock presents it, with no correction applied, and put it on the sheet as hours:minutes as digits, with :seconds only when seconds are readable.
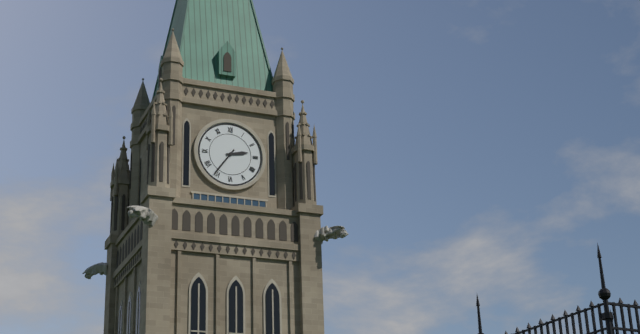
2:36
